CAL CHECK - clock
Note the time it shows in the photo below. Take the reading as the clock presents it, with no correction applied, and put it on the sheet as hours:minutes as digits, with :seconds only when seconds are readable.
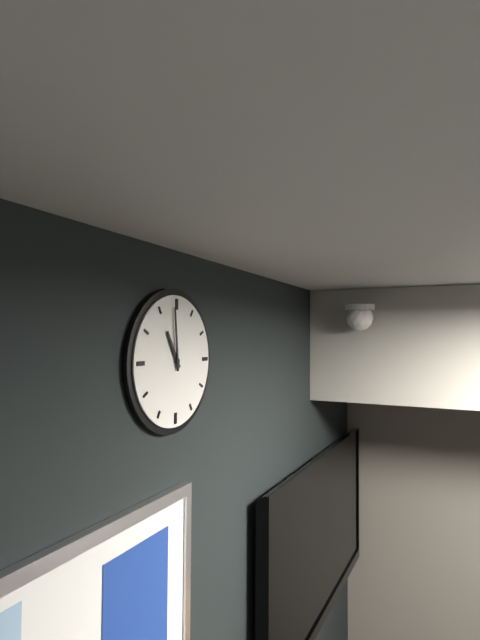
10:59
